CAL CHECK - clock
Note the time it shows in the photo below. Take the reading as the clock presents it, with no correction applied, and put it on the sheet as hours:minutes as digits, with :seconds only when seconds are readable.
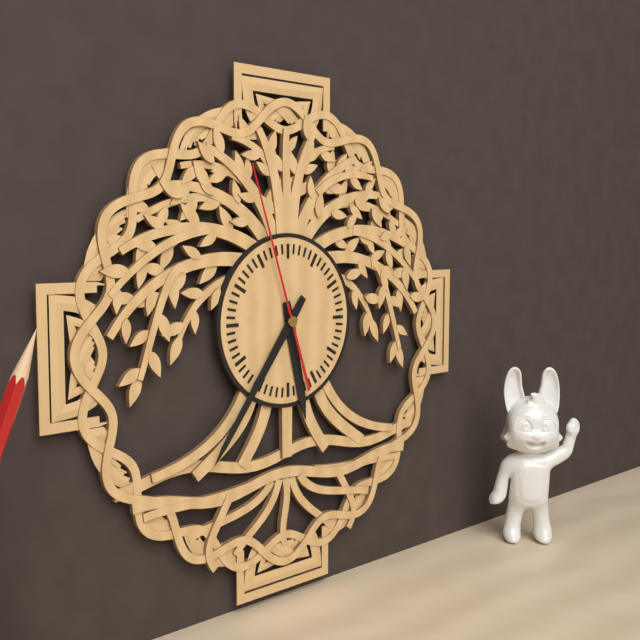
5:36:57
